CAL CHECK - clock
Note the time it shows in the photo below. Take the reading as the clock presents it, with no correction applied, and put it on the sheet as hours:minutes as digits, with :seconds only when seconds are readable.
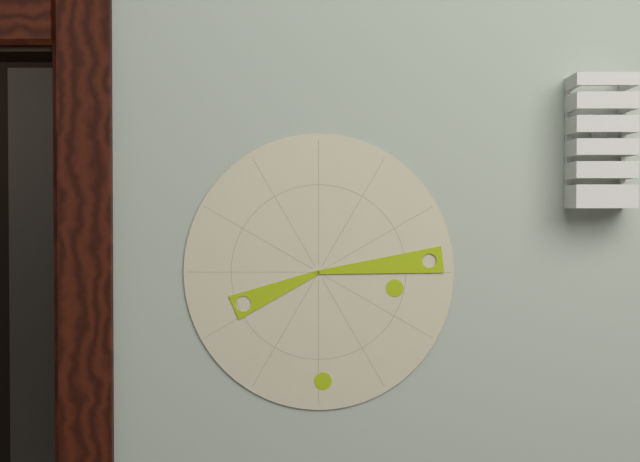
8:14
